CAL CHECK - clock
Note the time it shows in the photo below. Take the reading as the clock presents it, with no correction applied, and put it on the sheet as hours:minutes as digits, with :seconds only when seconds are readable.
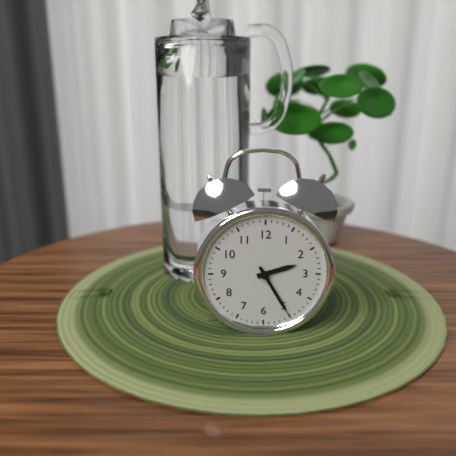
2:25
